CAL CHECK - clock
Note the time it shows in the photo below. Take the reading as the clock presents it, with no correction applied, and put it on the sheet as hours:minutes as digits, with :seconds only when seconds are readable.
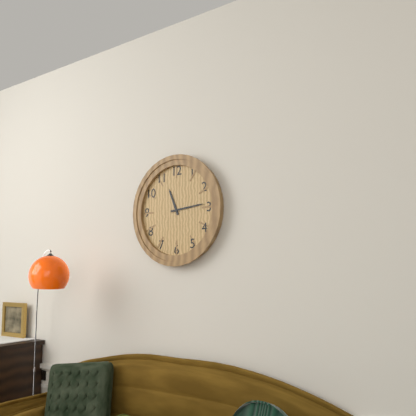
11:14
